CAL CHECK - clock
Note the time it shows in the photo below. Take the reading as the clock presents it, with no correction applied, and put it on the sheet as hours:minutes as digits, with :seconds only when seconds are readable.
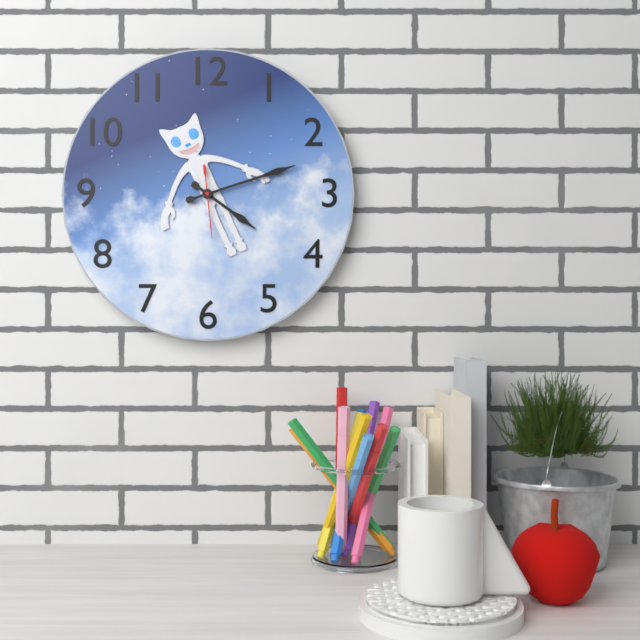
4:12:29
